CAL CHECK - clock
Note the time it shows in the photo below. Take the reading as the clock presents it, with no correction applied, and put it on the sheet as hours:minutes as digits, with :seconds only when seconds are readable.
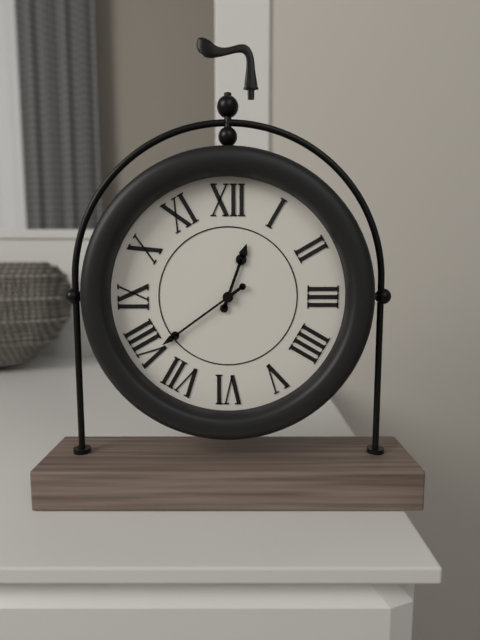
12:39
